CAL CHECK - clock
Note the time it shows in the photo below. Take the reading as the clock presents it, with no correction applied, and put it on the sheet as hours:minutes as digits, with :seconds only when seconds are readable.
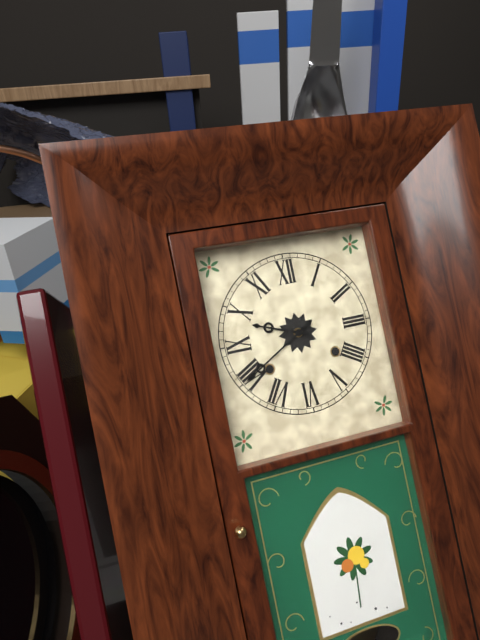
9:40
